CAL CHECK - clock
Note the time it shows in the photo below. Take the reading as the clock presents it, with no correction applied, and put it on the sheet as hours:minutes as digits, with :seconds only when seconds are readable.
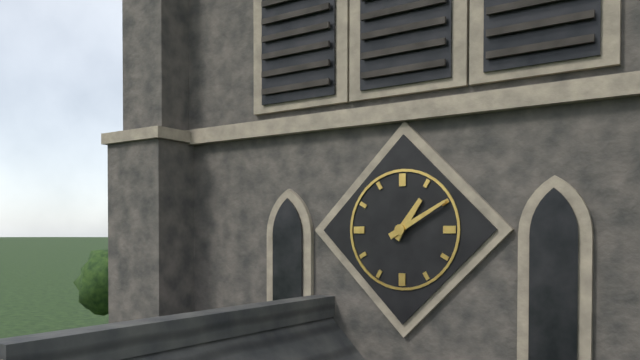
1:10
